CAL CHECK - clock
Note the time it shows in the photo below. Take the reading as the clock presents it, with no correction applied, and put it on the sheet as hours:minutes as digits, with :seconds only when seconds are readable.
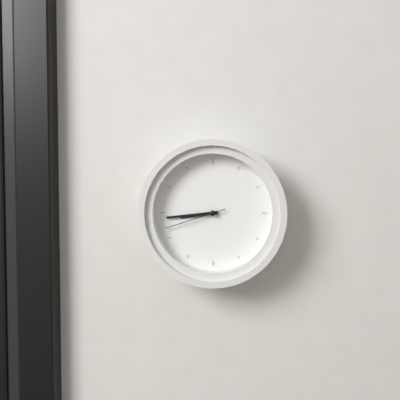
8:44:42
